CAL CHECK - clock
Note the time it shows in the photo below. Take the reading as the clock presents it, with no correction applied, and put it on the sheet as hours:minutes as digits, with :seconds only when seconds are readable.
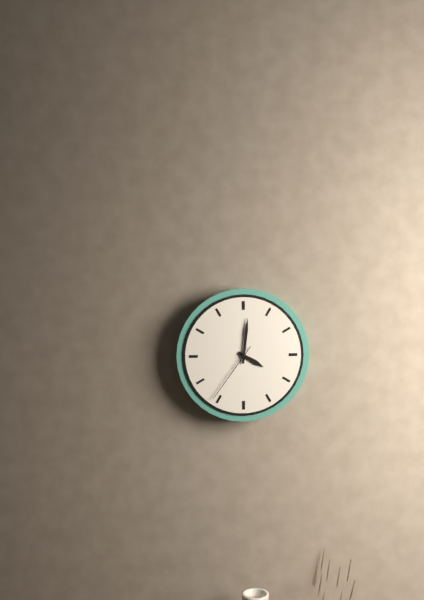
4:01:36
